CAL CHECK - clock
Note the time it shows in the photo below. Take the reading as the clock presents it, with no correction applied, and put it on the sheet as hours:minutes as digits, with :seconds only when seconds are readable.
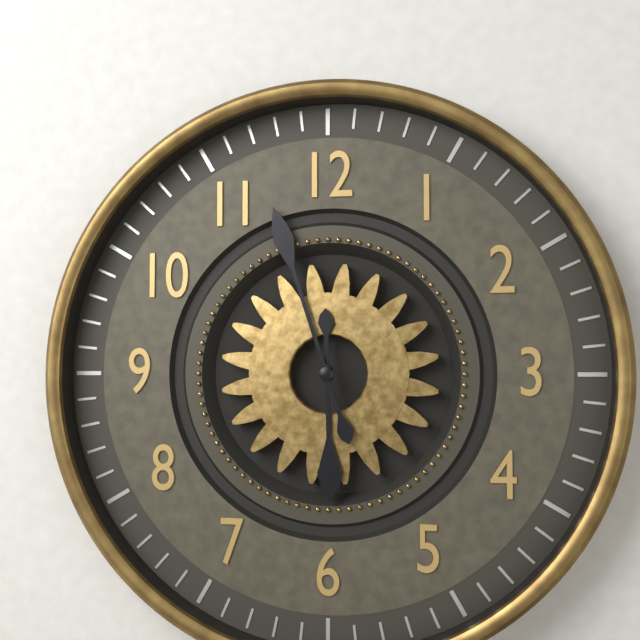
5:57
